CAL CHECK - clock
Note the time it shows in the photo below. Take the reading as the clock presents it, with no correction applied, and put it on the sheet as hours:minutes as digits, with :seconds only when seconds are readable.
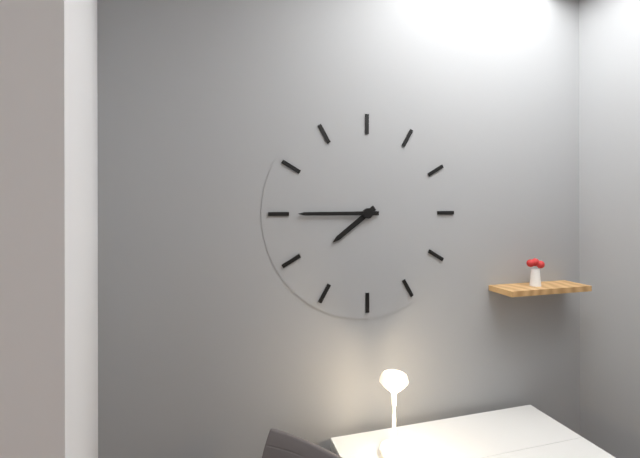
7:45
